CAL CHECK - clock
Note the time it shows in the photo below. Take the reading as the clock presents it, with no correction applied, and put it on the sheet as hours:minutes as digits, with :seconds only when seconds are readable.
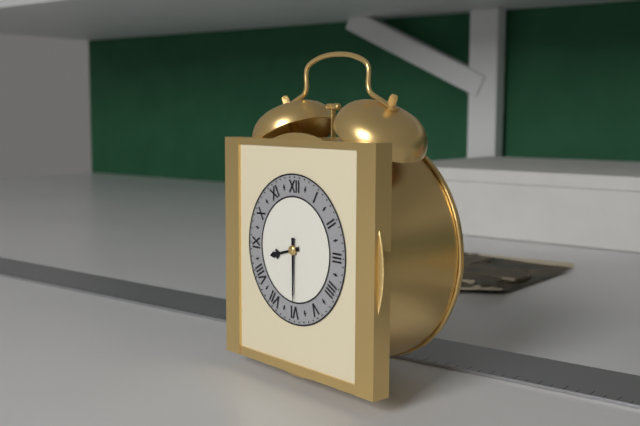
8:30
